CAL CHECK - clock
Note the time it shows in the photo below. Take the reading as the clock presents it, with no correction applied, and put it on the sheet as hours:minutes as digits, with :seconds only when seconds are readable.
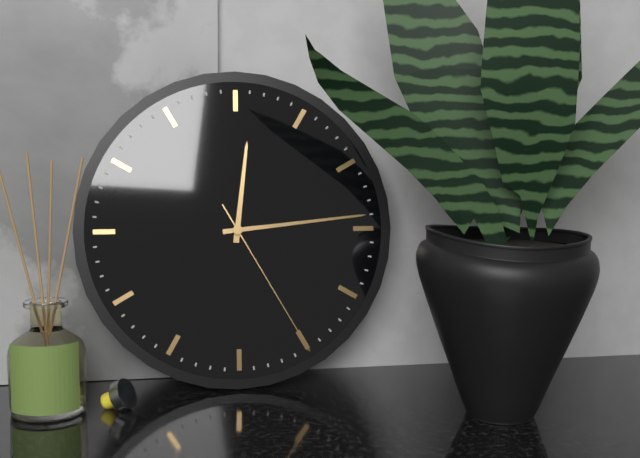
12:14:25
